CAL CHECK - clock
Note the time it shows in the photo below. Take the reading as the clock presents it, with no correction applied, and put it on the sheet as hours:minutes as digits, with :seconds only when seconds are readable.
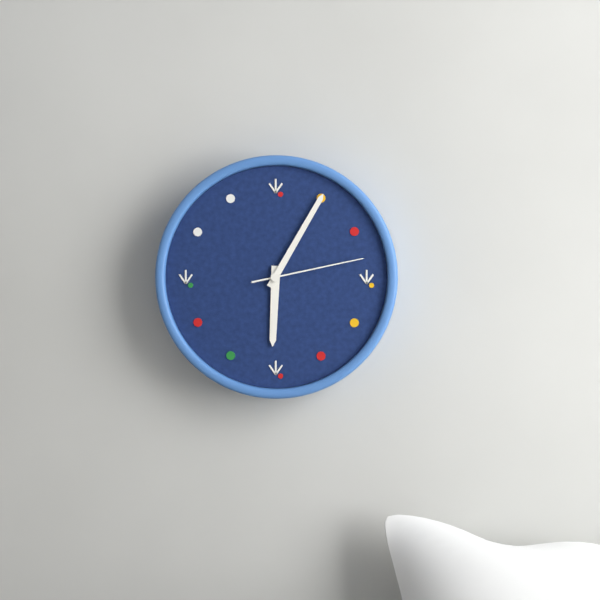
6:05:13
